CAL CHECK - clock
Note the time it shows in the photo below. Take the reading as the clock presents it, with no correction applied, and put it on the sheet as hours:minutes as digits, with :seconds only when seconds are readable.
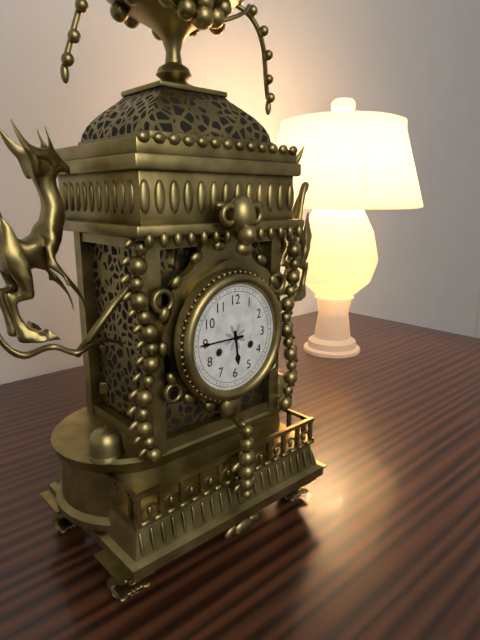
5:45
